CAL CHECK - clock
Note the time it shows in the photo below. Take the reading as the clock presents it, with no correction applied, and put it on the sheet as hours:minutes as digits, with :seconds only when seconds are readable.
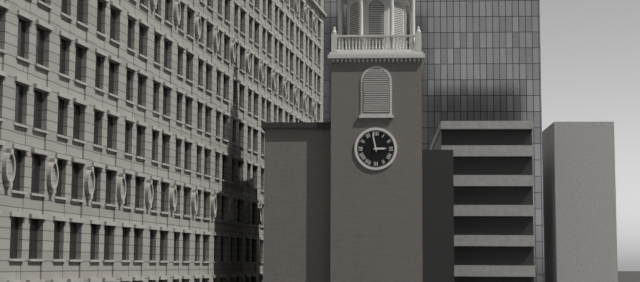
2:58
